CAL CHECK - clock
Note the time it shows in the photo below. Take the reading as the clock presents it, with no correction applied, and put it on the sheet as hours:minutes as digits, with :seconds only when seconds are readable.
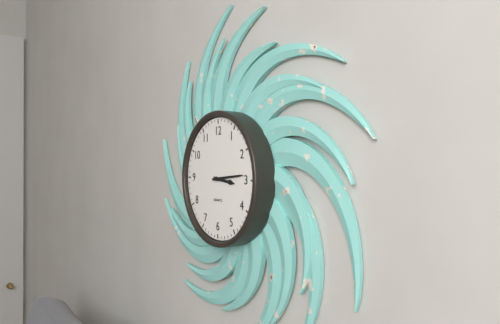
3:14
